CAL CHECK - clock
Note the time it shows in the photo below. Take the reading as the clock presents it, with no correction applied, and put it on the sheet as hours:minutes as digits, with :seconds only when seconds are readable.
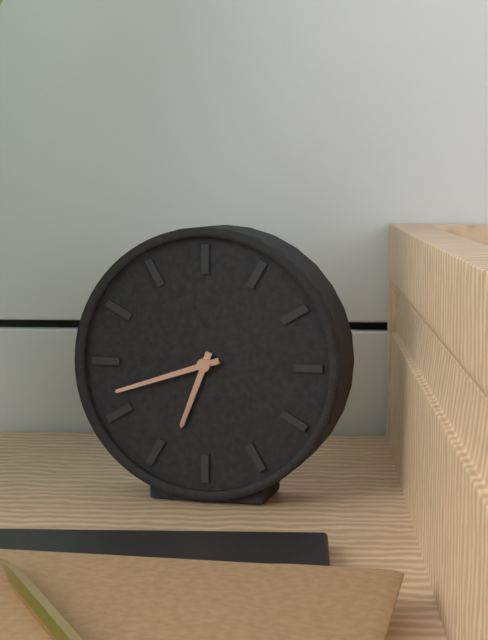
6:42
